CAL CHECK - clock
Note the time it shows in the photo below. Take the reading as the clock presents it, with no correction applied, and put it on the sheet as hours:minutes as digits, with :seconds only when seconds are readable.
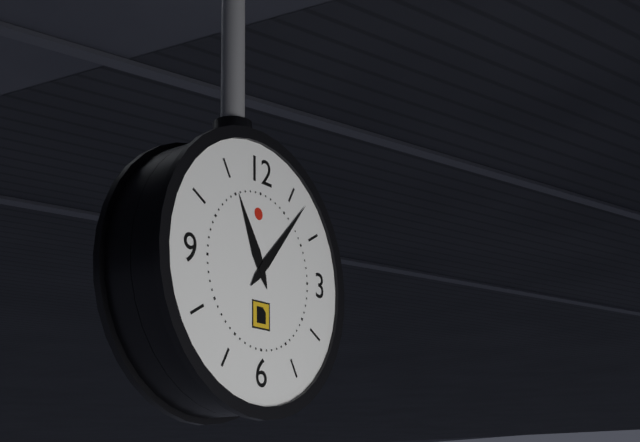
11:07
